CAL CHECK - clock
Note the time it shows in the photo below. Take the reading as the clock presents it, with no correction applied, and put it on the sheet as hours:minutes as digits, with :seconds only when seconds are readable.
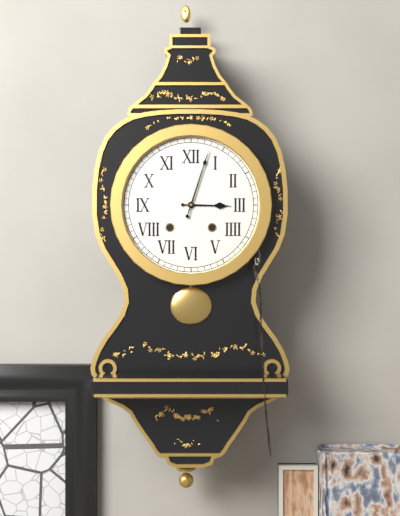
3:03
